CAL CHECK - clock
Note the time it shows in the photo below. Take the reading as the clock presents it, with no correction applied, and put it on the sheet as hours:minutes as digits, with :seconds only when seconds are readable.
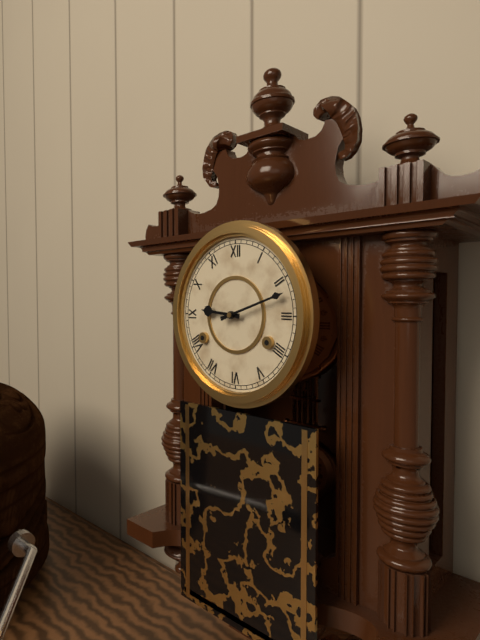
9:12
